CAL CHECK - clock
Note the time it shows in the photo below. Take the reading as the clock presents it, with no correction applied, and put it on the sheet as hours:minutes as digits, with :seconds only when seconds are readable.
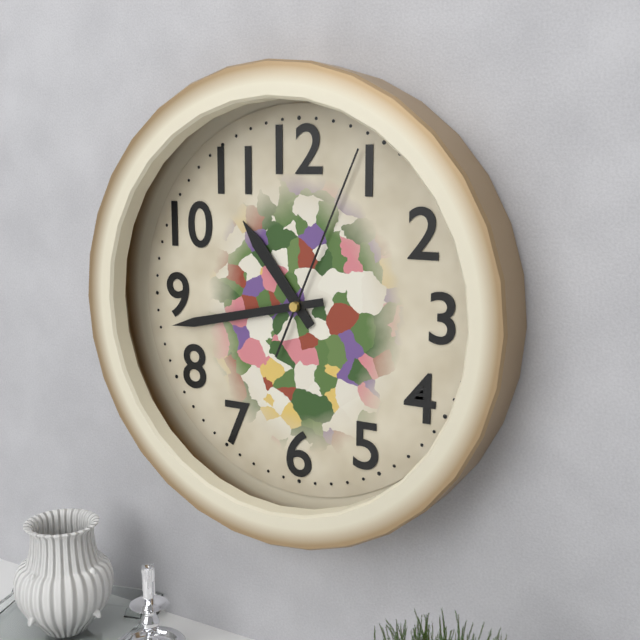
10:43:04
